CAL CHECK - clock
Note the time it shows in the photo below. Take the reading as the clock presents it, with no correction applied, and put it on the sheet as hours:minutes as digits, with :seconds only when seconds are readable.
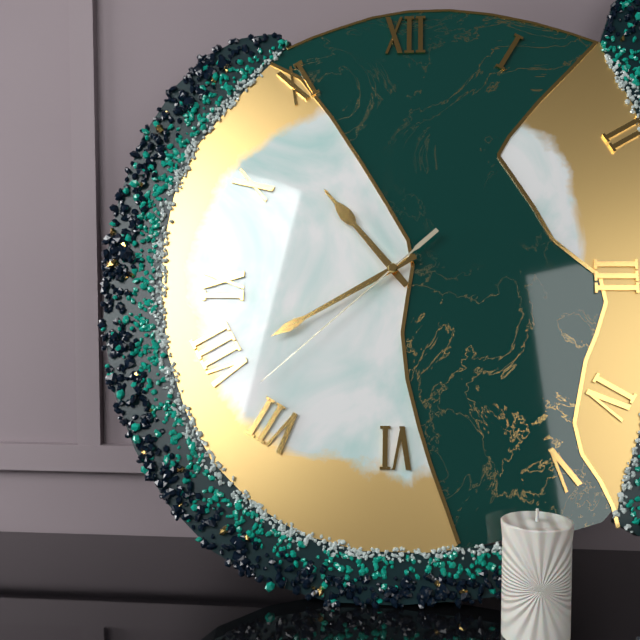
10:40:38
